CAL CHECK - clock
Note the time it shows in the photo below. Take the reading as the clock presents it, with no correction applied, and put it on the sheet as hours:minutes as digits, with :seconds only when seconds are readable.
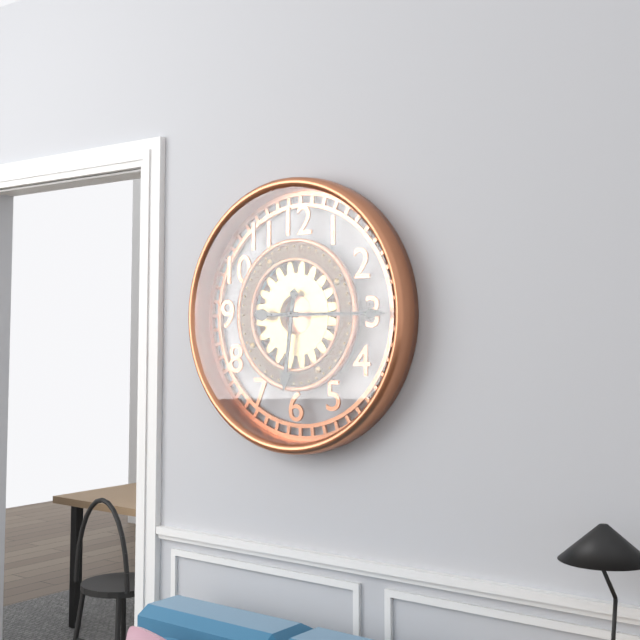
6:15
